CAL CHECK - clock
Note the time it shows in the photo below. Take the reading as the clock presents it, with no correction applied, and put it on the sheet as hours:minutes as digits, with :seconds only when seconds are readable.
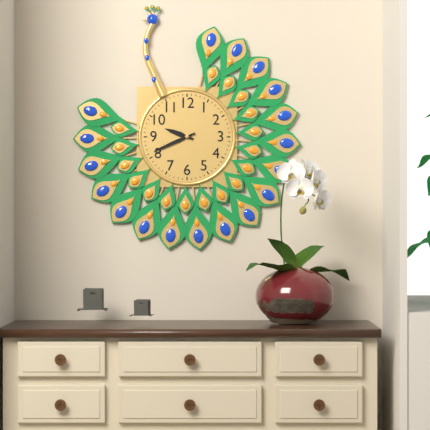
9:41
